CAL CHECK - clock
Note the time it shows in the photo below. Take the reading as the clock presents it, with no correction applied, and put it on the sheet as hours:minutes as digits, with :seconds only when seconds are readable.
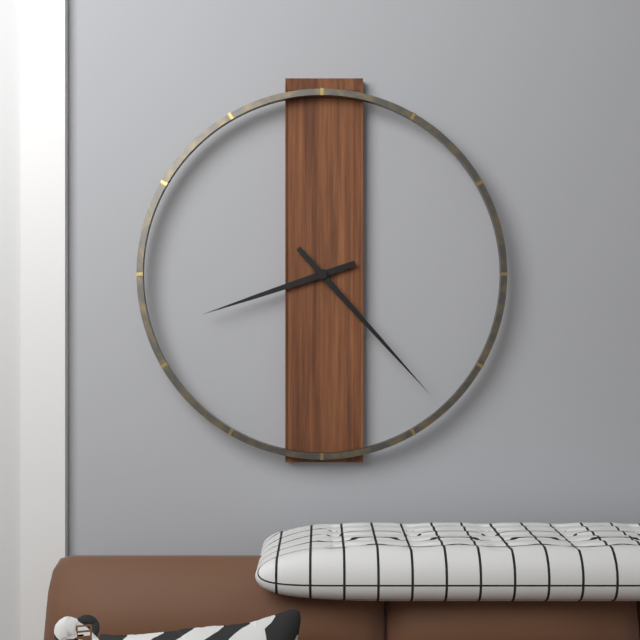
8:23
